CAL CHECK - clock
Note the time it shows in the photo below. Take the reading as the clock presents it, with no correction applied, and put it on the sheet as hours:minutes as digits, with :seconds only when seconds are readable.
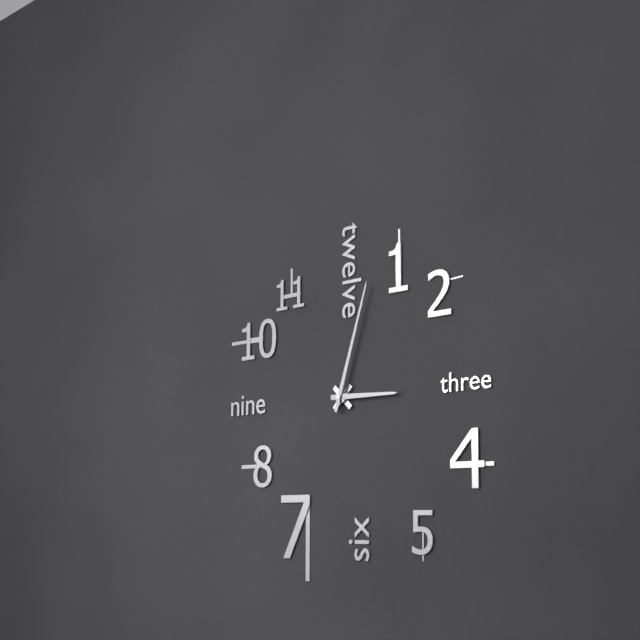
3:03
